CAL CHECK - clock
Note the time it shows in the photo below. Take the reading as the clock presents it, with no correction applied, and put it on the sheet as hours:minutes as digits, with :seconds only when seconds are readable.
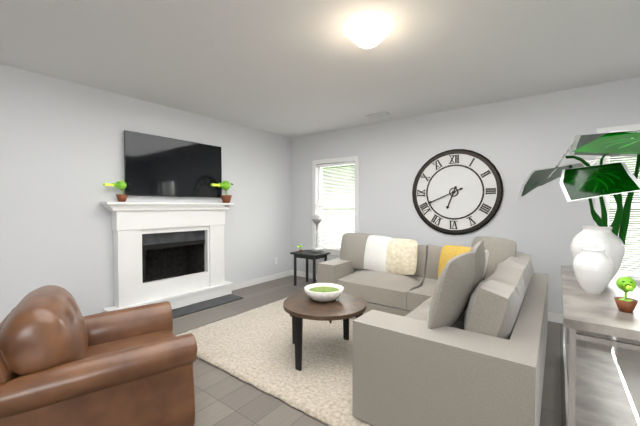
6:41
